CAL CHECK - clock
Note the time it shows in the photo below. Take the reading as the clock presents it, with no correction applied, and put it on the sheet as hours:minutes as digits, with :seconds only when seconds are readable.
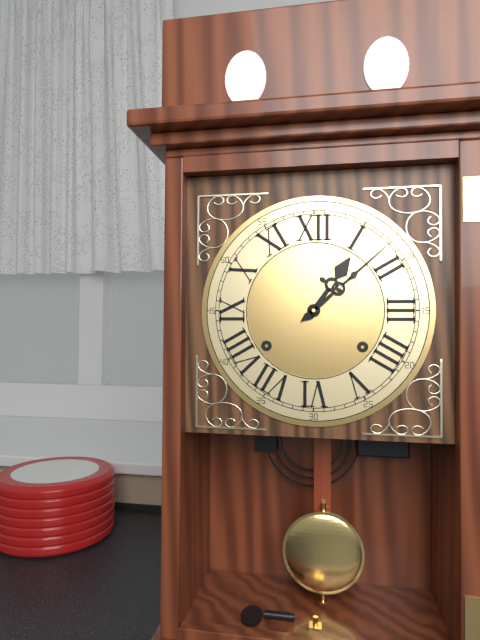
1:08
